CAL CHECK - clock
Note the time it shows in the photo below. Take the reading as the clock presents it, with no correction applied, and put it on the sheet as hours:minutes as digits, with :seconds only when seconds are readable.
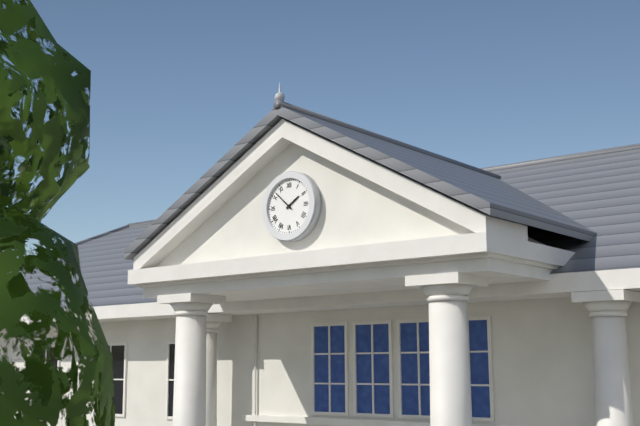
1:52
